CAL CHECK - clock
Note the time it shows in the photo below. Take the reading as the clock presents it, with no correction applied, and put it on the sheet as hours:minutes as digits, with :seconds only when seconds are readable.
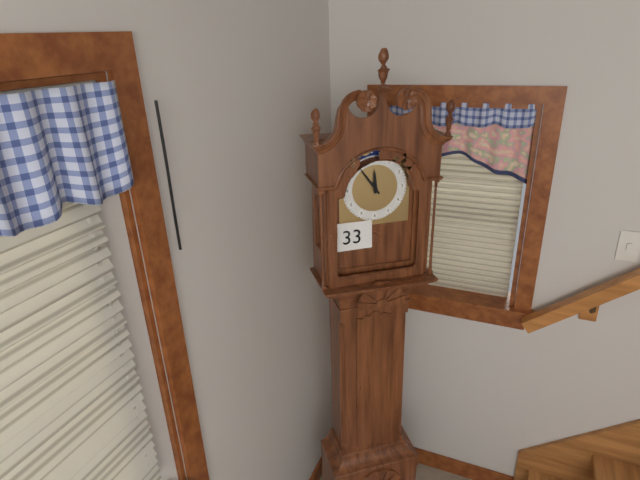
11:54
